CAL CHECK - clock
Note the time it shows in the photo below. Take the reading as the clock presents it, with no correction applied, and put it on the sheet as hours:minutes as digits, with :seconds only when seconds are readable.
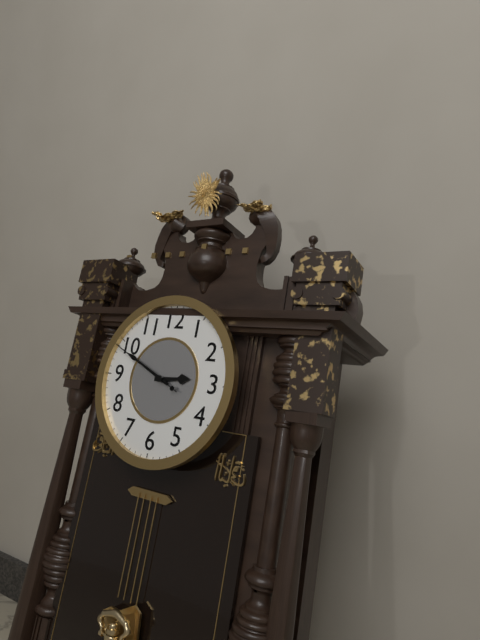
2:49:49
